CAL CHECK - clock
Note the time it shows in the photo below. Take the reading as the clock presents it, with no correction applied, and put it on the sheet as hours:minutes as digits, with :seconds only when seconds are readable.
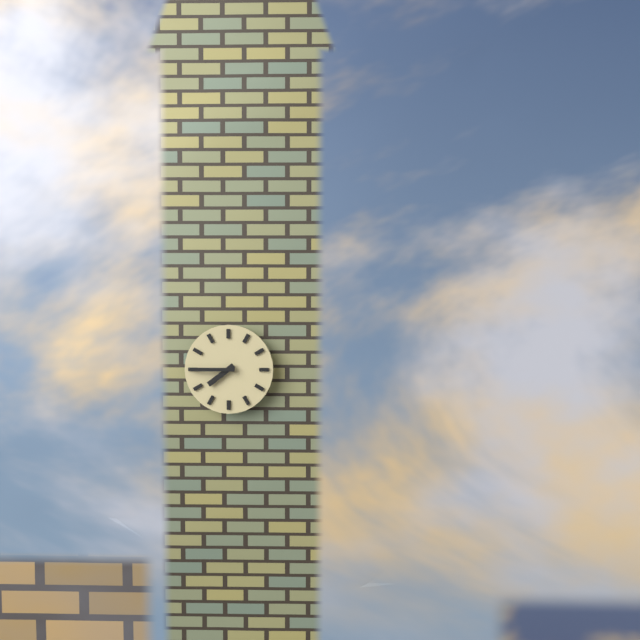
7:45
